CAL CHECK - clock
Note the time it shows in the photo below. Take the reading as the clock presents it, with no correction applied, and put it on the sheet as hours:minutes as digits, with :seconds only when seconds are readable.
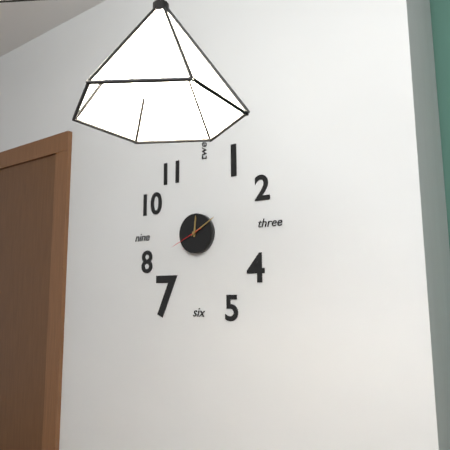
12:10
